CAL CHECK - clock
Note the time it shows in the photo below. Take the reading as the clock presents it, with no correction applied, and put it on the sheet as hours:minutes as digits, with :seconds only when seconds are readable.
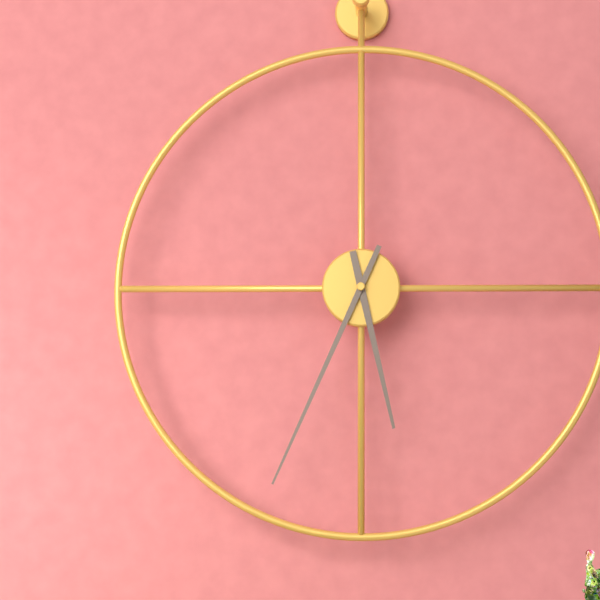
5:34
